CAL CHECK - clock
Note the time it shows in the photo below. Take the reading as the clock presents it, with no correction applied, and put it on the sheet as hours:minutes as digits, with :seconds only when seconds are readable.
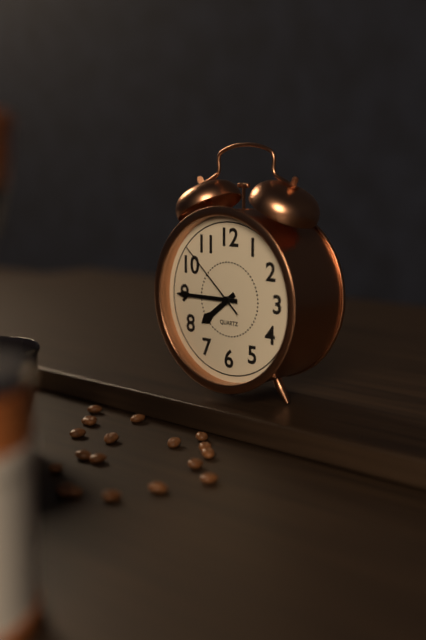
7:45:52
